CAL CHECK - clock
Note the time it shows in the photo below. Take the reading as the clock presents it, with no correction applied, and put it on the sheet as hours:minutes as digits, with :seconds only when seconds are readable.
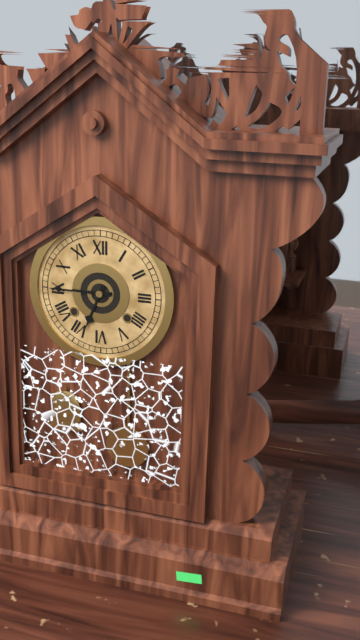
6:45
